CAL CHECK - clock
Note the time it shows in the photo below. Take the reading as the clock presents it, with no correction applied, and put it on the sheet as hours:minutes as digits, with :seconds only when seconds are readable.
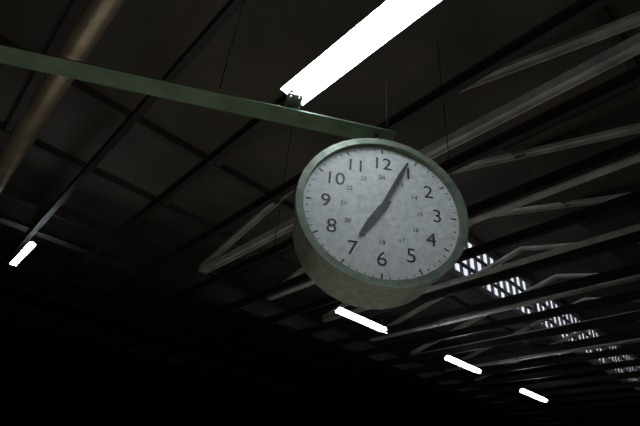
7:04
